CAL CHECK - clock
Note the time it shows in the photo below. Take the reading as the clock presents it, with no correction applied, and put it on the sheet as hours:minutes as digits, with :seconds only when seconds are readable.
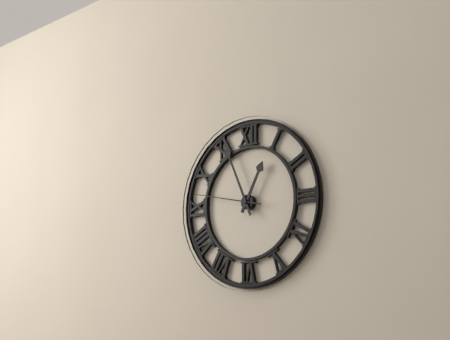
12:56:47
